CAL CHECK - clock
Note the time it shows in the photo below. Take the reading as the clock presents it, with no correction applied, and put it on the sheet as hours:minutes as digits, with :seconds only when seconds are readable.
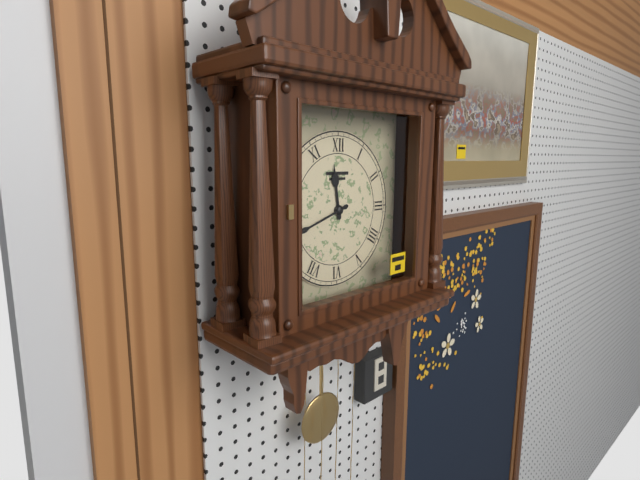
11:42
